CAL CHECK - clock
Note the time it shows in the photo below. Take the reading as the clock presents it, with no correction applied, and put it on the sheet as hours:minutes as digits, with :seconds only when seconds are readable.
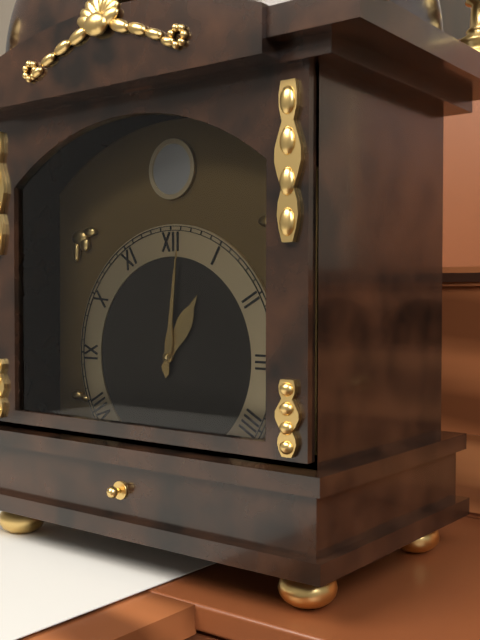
1:01
